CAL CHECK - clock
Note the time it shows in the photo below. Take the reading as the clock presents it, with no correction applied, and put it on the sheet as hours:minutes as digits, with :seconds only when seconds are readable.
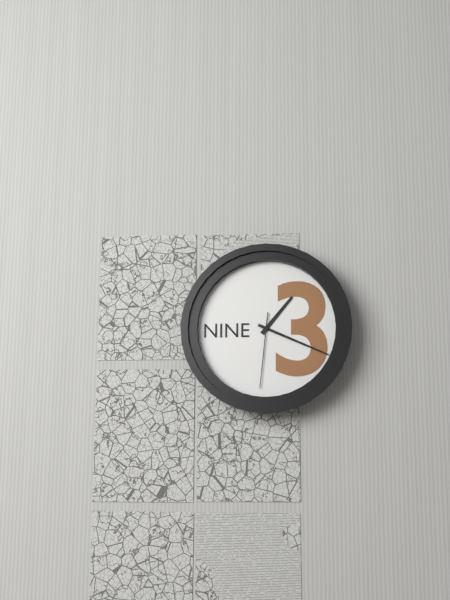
1:19:31
